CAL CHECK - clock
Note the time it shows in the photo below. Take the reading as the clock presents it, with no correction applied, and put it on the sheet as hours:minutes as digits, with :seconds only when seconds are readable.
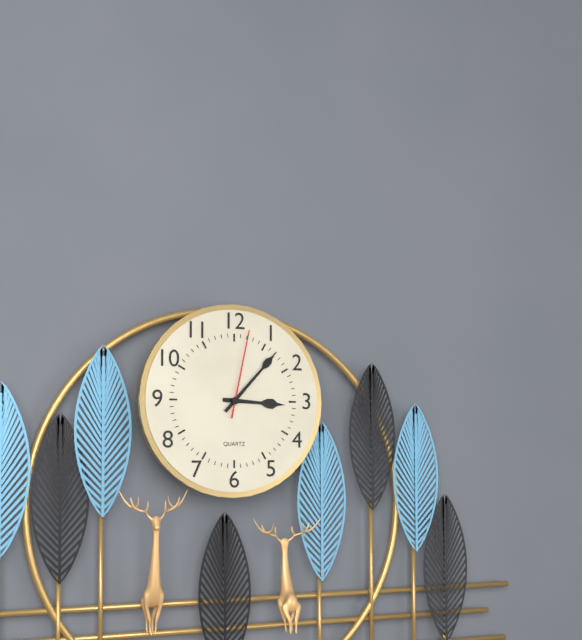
3:07:02
